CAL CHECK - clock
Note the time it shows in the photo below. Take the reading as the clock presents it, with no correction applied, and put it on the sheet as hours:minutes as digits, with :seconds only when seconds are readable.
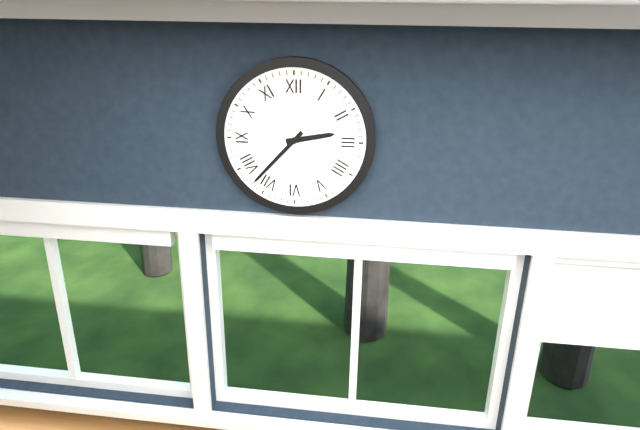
2:37
